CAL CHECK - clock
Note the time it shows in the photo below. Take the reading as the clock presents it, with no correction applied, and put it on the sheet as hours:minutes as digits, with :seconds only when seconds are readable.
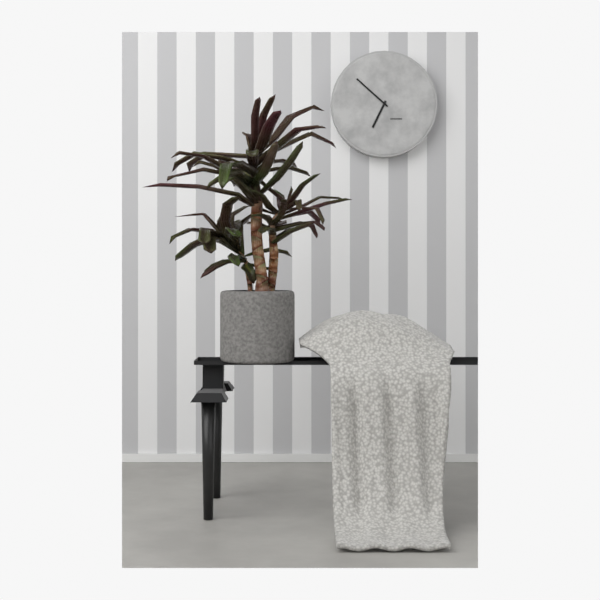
6:52
